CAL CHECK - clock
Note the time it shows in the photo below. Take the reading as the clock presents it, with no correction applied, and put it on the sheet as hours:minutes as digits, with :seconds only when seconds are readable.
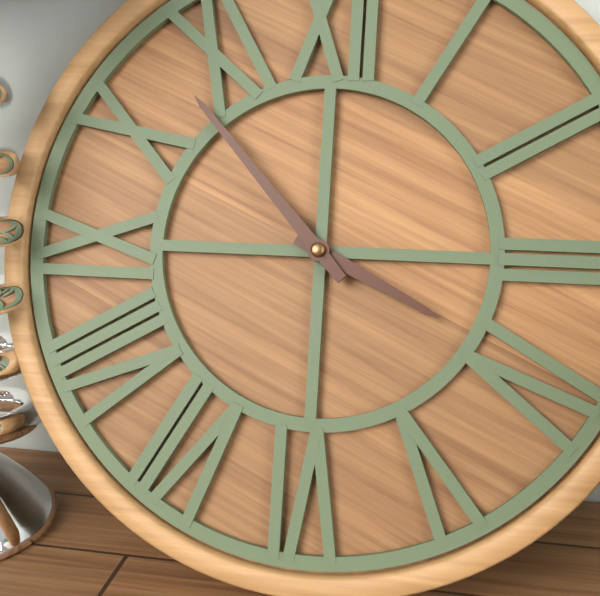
3:53
